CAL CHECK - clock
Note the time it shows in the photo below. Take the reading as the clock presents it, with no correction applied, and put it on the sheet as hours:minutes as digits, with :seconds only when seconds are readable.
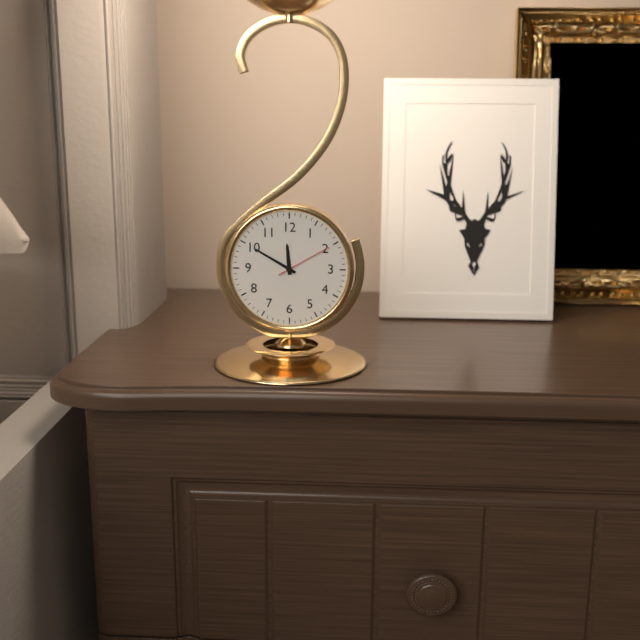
11:50:10
